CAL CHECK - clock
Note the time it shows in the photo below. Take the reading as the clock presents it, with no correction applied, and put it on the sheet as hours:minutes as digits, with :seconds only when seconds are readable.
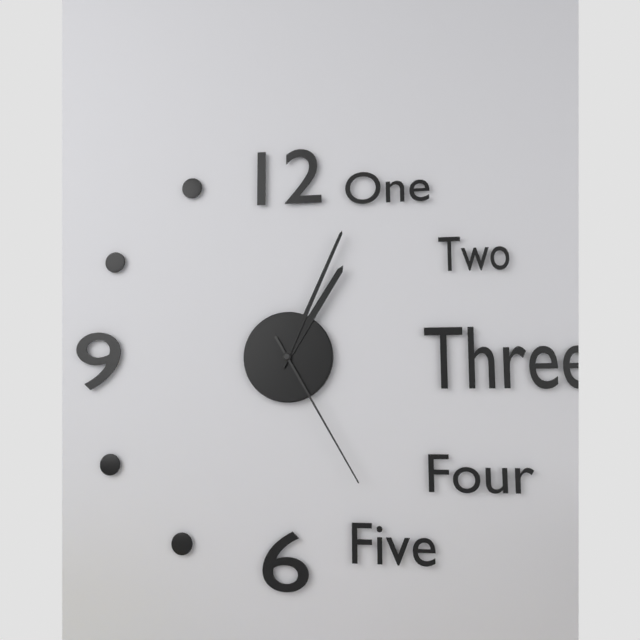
1:04:25
